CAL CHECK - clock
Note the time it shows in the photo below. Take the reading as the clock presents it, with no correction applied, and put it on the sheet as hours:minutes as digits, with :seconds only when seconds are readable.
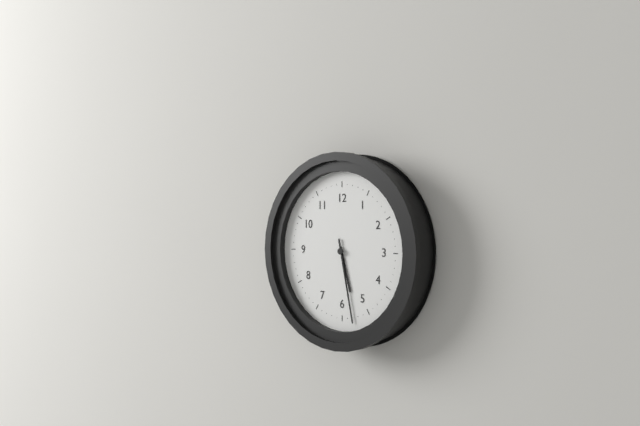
5:28
